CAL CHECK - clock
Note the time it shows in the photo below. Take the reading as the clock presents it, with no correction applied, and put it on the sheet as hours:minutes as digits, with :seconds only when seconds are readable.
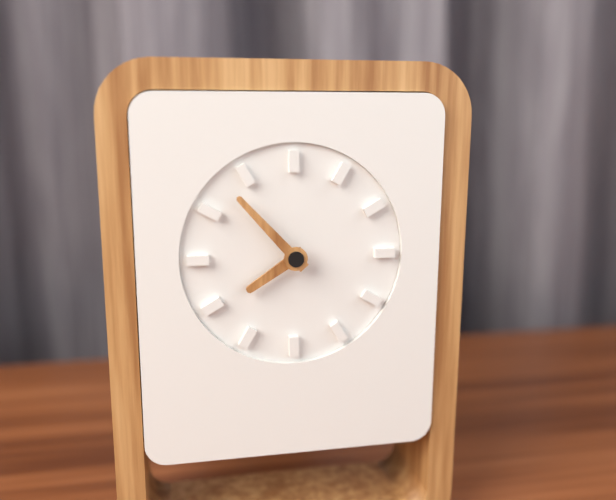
7:53
